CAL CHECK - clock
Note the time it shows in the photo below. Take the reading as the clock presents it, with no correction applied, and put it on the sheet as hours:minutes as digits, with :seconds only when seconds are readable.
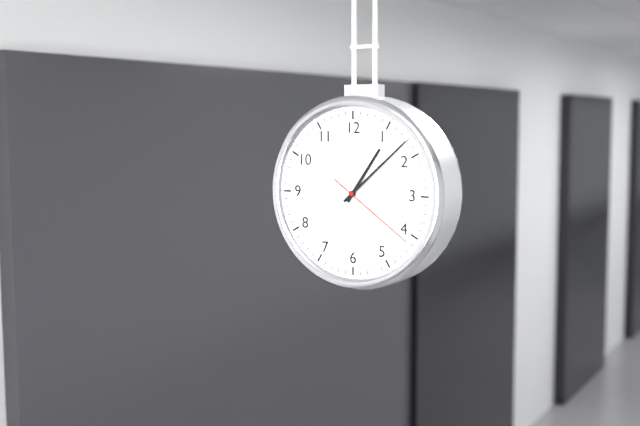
1:08:21
